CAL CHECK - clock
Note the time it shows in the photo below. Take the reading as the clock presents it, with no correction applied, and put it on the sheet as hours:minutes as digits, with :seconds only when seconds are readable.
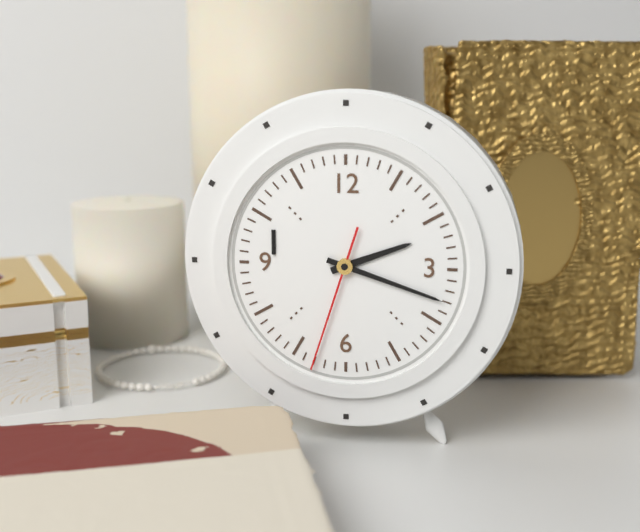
2:18:33
